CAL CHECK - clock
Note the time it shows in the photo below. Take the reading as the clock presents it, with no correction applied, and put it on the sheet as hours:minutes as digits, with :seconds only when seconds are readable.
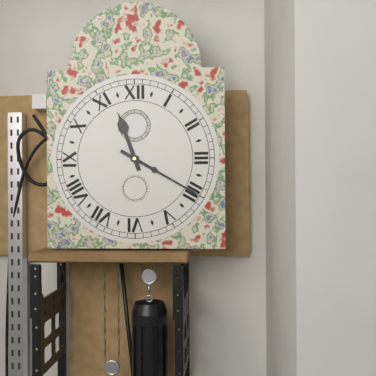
11:20
